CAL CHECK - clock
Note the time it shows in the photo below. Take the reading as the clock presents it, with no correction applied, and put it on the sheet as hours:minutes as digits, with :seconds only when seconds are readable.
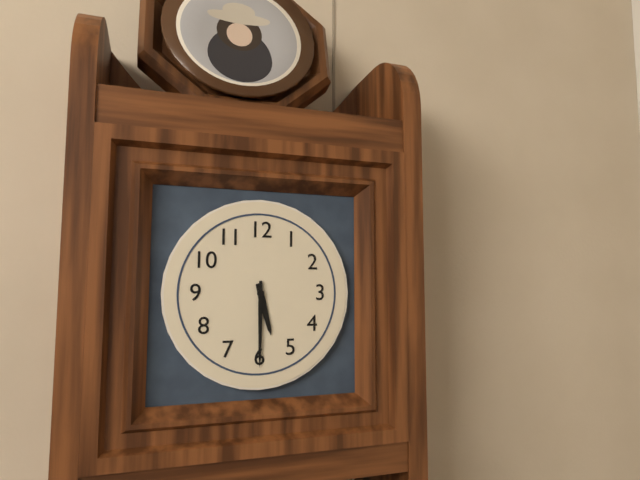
5:30
